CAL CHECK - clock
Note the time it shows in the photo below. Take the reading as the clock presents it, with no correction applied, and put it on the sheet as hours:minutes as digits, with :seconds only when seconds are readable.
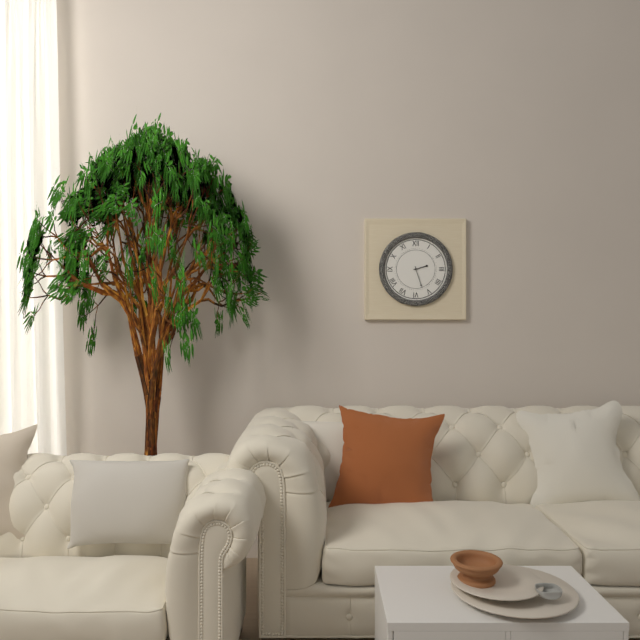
2:27
